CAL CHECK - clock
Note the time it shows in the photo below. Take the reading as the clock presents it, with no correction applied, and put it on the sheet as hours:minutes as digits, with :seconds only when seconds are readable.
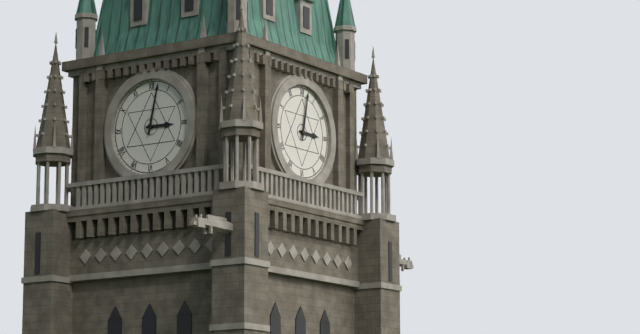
3:02
